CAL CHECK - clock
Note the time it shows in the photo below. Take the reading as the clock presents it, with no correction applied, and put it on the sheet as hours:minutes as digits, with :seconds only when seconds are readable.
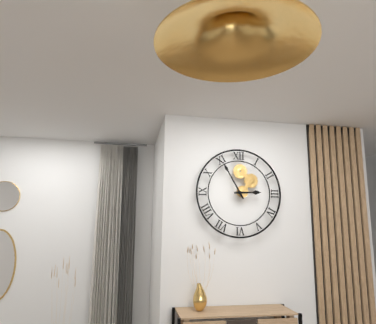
2:55
